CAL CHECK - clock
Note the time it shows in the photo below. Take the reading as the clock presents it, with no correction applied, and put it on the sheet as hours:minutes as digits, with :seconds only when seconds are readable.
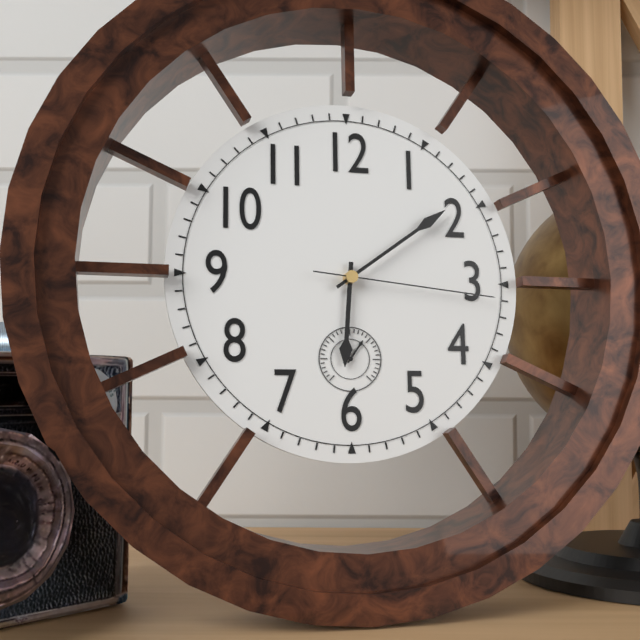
6:09:16
